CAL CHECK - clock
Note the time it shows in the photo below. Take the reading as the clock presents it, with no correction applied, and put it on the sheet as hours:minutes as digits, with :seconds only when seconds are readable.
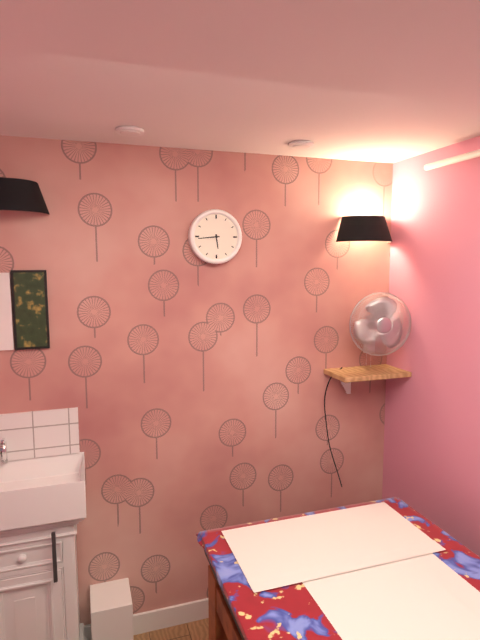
5:44
